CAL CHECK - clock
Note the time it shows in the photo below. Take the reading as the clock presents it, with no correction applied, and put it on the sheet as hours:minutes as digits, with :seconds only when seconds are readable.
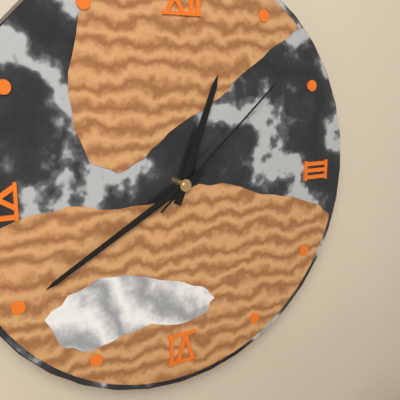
12:40:08
